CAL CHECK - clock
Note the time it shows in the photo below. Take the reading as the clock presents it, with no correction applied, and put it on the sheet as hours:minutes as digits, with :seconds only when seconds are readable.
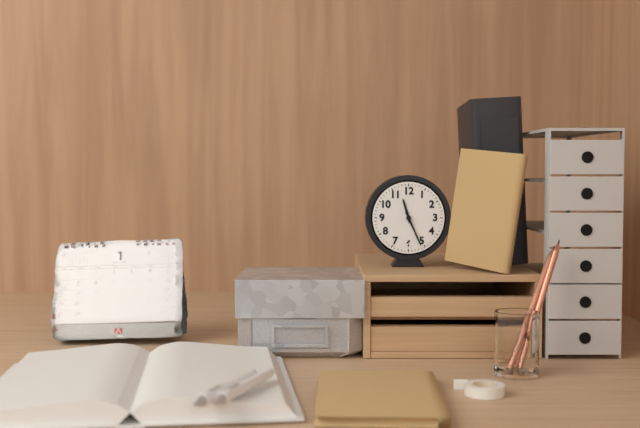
11:26
